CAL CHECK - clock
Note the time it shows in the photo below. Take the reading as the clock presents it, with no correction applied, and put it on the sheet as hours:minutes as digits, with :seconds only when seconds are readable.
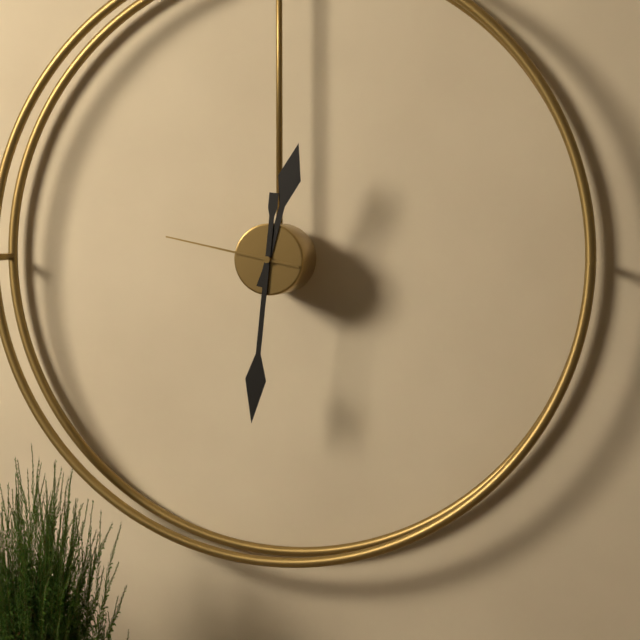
12:31:47
